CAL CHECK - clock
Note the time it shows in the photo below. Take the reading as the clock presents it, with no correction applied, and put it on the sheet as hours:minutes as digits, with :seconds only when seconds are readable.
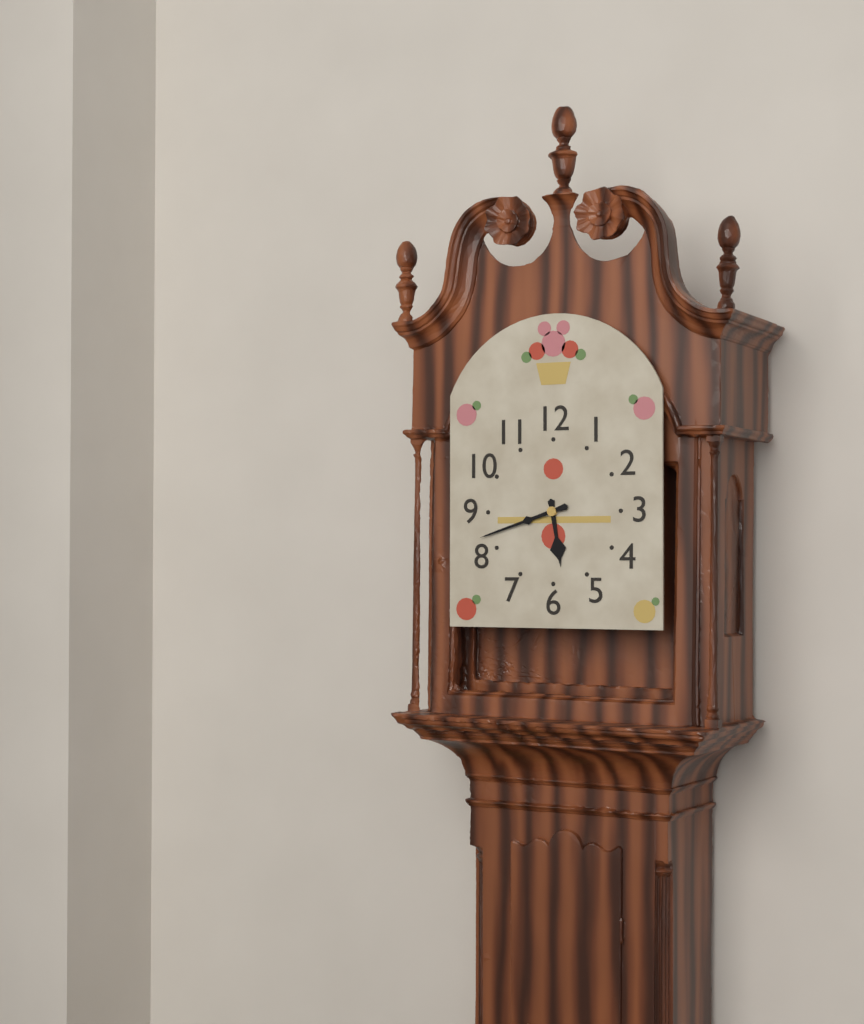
5:42
